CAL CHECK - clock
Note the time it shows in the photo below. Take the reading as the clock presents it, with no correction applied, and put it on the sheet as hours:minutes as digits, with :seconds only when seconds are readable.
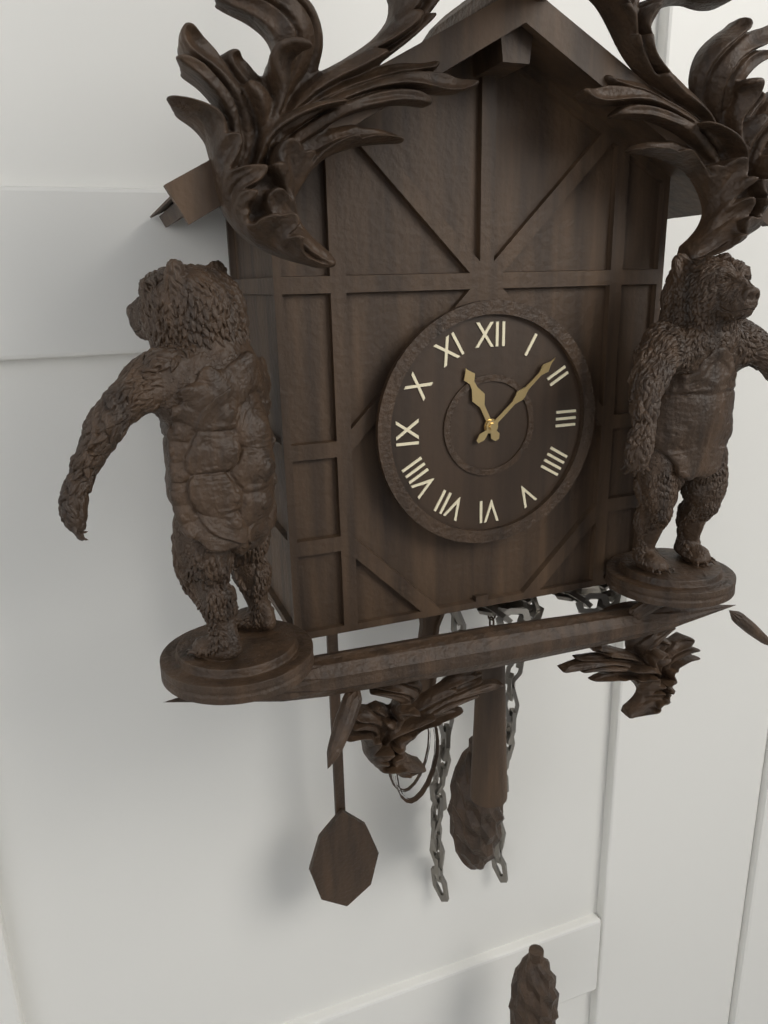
11:08
